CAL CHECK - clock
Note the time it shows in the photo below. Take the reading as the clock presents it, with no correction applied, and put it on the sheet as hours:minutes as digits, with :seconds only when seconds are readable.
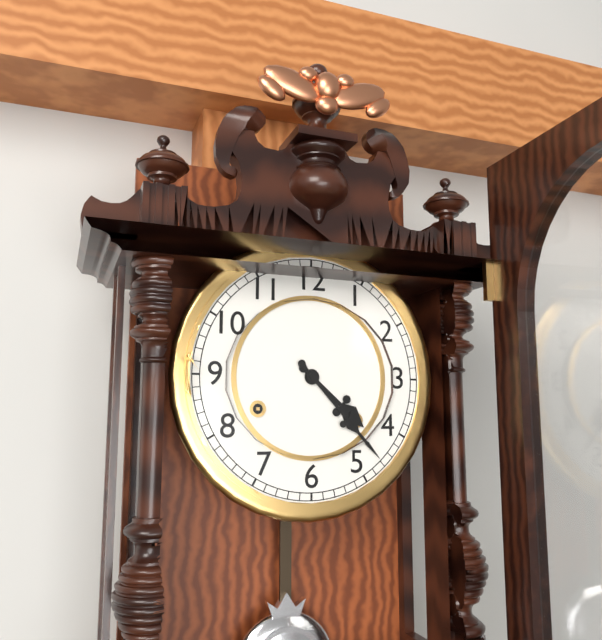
4:23
